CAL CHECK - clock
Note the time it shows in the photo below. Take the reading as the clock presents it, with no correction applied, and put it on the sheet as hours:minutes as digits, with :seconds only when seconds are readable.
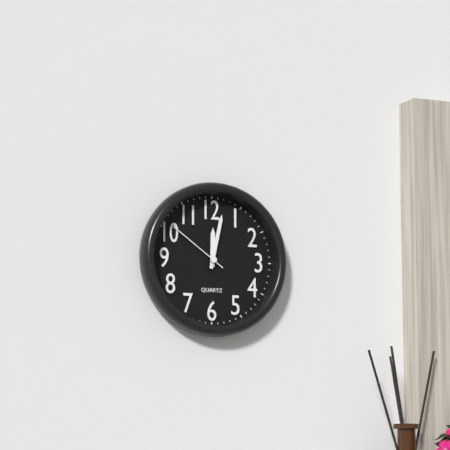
12:02:51
